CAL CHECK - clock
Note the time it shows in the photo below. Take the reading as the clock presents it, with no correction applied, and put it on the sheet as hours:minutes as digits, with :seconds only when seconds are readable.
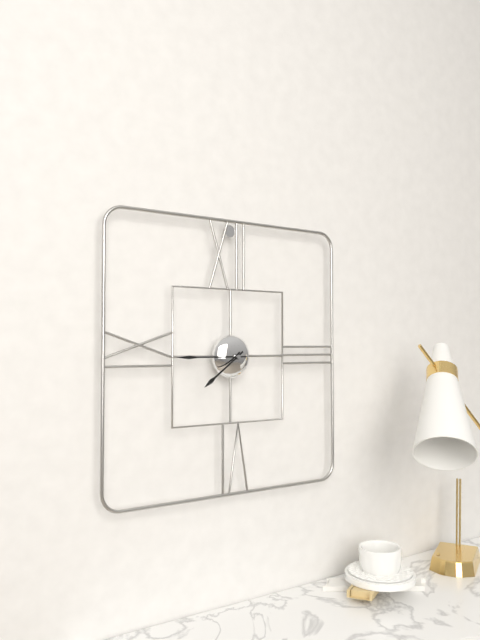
7:45
